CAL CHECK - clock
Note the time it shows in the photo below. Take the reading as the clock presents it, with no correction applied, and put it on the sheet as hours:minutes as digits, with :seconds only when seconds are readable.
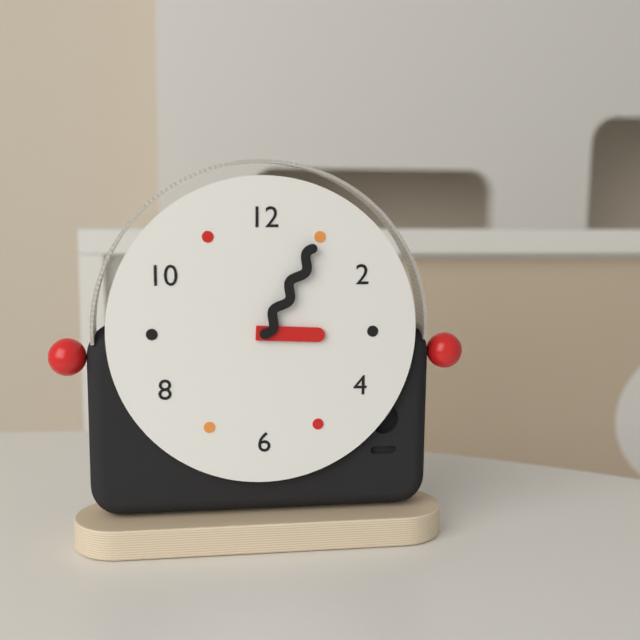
3:05
